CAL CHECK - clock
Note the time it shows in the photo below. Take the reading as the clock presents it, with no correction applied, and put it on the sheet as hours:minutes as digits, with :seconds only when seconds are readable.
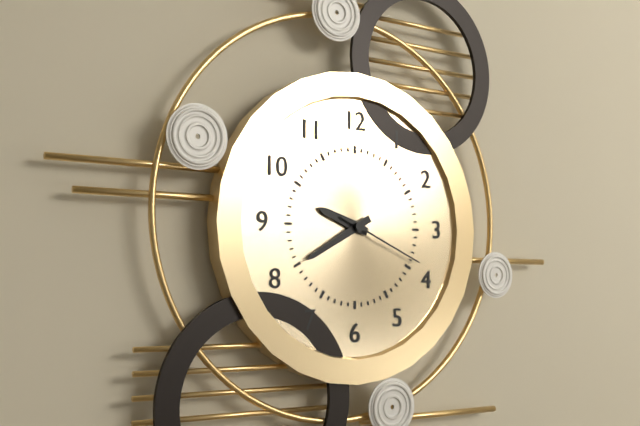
9:40:19
